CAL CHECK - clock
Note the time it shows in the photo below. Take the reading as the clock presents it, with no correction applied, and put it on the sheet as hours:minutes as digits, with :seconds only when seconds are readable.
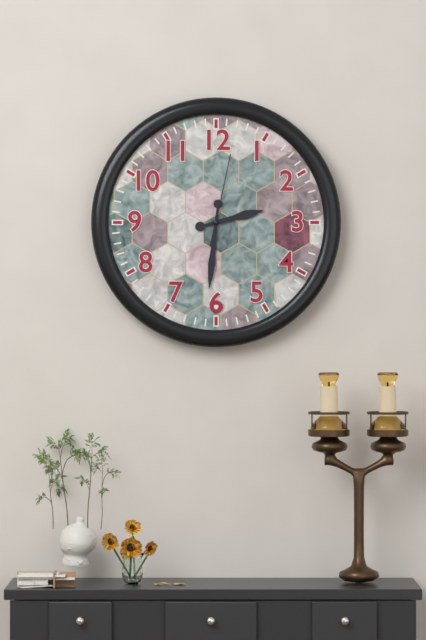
2:31:02
